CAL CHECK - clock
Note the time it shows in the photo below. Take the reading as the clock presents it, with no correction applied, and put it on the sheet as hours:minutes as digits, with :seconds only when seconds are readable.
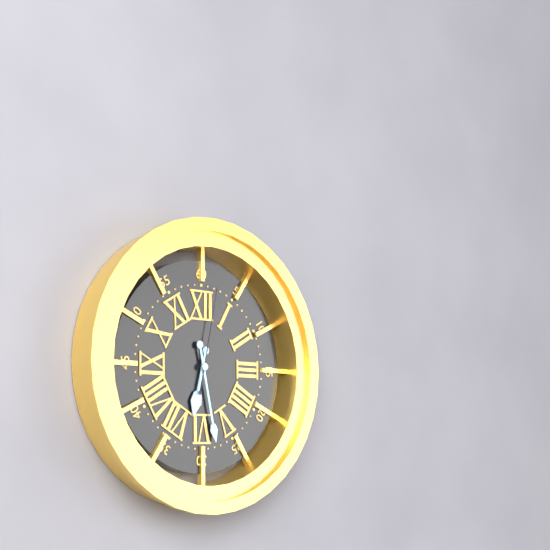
6:28:02
